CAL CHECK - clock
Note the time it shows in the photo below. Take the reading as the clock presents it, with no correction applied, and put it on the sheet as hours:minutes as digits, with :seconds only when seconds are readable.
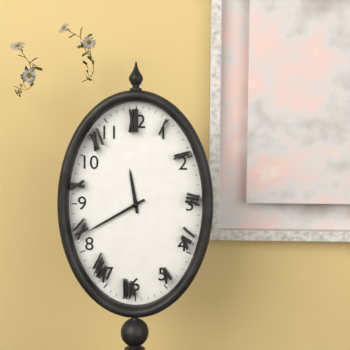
11:40
